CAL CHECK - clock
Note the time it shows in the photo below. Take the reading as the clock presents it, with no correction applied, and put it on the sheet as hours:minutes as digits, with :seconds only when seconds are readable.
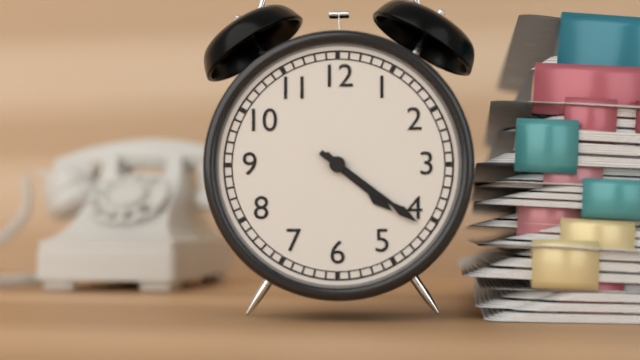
4:21
